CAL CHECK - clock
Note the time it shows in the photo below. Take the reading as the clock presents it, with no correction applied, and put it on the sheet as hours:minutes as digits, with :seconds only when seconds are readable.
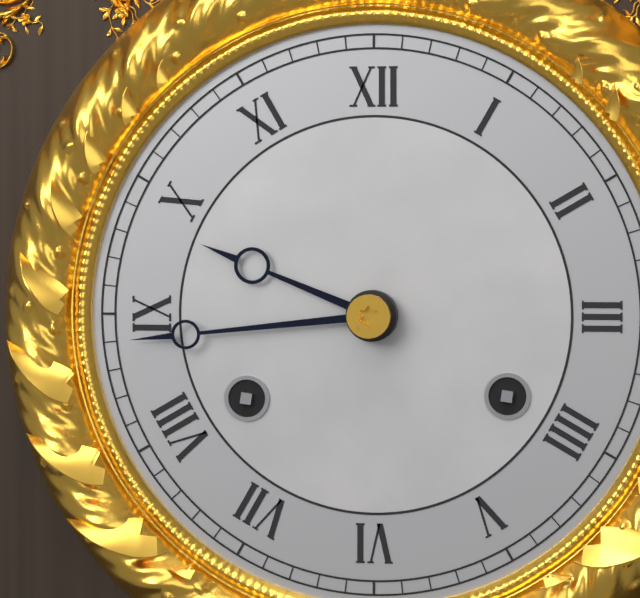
9:44
